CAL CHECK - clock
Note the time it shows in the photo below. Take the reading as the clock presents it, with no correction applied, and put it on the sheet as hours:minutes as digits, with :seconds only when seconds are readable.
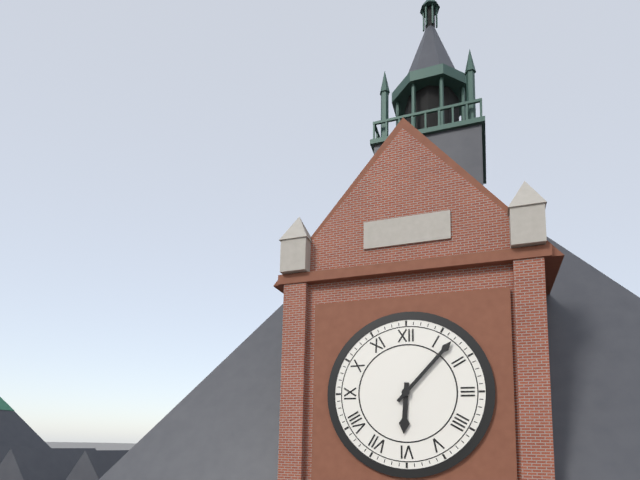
6:07
